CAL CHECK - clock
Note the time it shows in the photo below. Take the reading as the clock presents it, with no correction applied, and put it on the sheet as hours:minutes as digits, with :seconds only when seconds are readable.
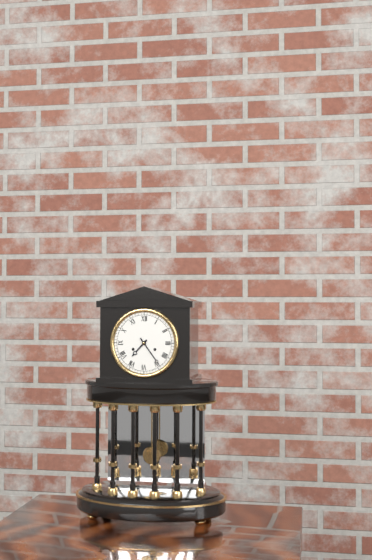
7:24
